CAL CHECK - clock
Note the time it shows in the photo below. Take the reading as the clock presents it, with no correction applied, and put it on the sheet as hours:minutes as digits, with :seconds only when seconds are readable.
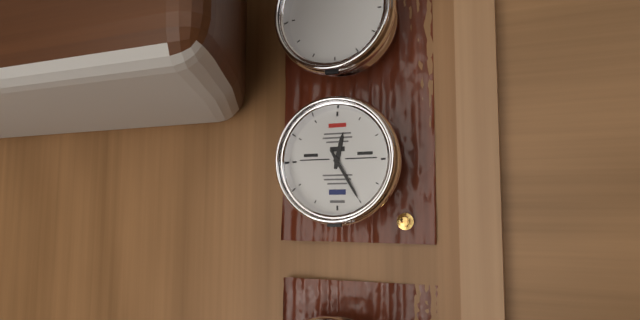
12:25
